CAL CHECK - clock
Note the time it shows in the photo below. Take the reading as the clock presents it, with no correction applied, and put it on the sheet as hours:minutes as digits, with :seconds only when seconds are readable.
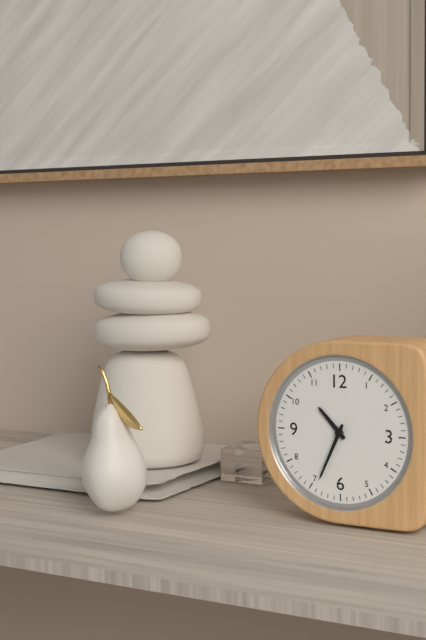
10:34
